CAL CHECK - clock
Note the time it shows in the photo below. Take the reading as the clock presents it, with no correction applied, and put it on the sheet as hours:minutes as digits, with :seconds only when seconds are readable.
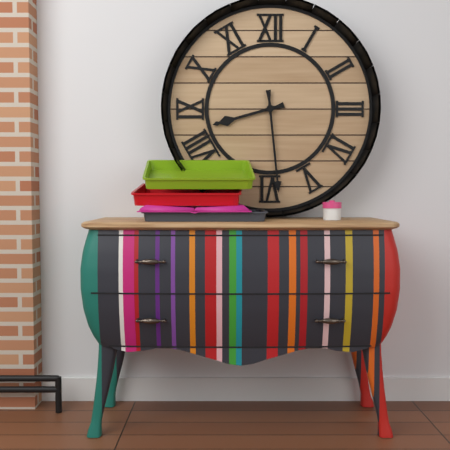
8:29
